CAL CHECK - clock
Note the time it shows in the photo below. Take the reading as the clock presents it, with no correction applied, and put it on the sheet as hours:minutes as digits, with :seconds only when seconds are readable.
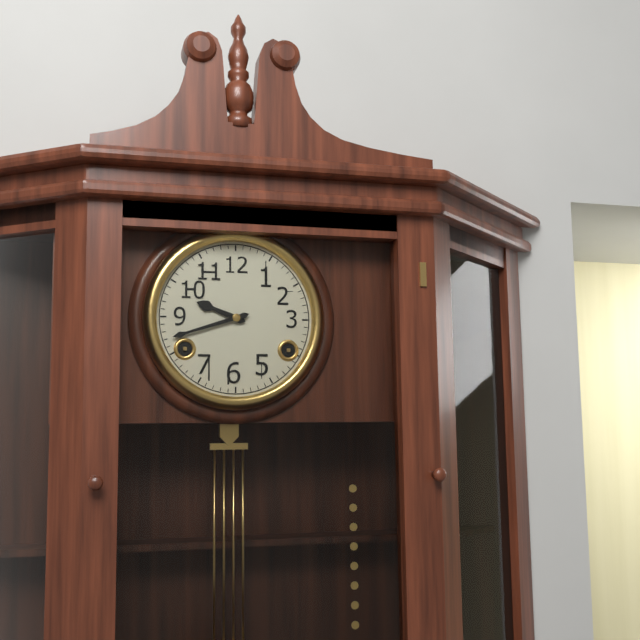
9:42
